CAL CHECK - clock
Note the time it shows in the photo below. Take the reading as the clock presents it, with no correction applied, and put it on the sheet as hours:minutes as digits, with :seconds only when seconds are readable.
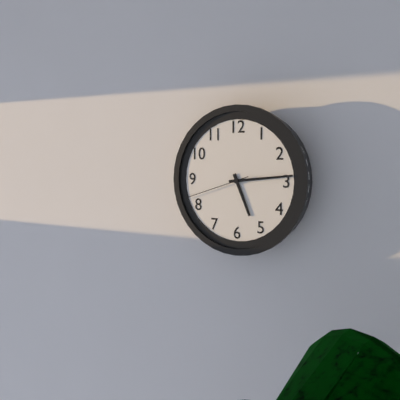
5:14:42
